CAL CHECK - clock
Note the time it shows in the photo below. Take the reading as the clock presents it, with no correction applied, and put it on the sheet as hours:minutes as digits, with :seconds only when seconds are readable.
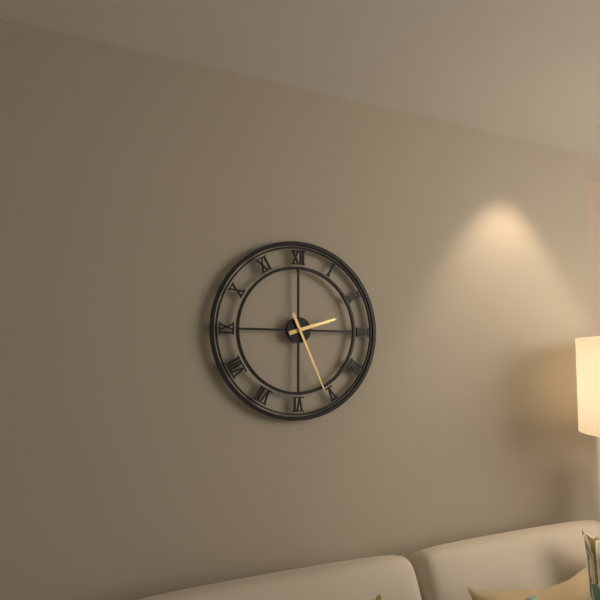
2:26
